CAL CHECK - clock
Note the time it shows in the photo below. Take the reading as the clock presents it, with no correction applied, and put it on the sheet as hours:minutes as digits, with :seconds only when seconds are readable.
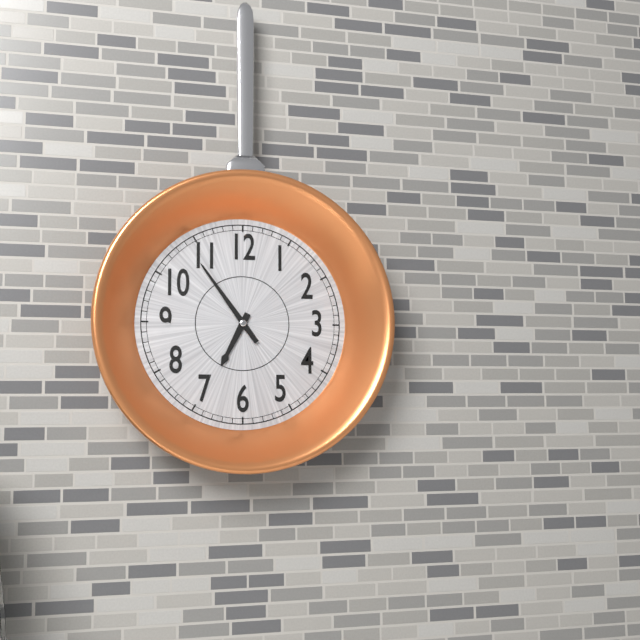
6:54
